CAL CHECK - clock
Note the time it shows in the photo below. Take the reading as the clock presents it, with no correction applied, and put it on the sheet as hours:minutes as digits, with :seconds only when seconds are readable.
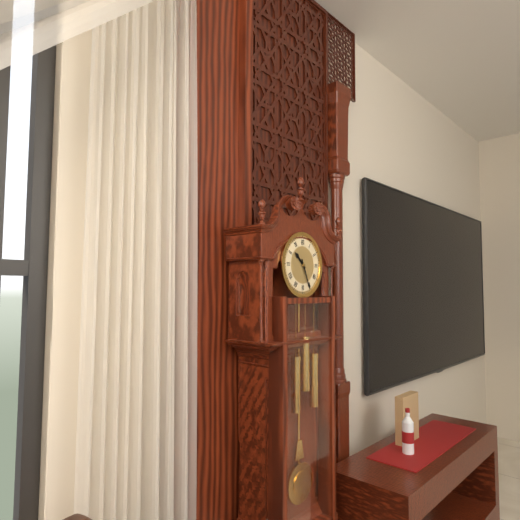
10:26
